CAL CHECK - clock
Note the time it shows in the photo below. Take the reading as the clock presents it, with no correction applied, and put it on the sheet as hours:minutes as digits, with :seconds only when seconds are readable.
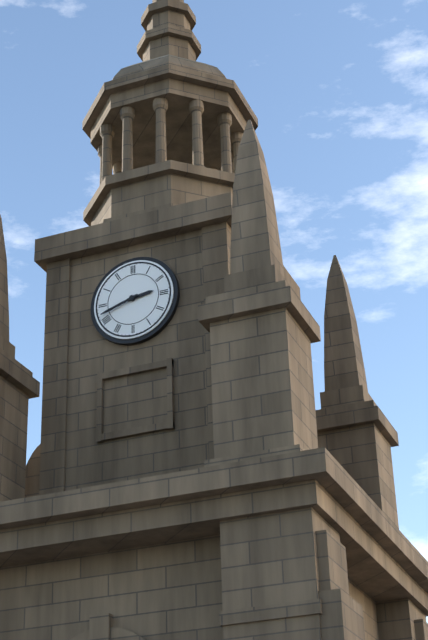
2:42
